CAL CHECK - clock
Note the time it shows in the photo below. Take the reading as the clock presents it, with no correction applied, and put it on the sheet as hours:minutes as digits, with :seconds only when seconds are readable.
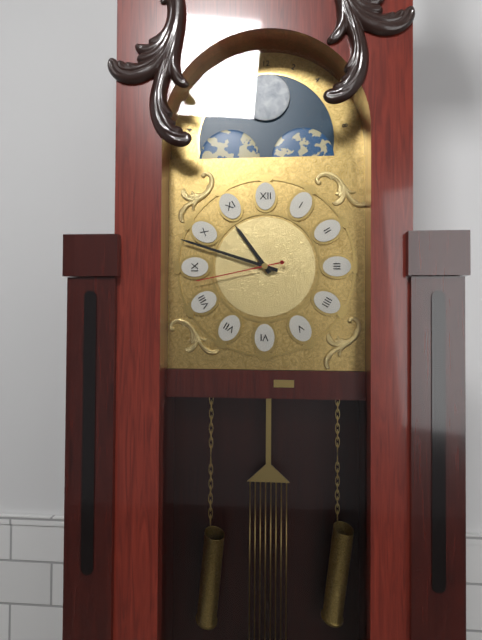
10:48:43
